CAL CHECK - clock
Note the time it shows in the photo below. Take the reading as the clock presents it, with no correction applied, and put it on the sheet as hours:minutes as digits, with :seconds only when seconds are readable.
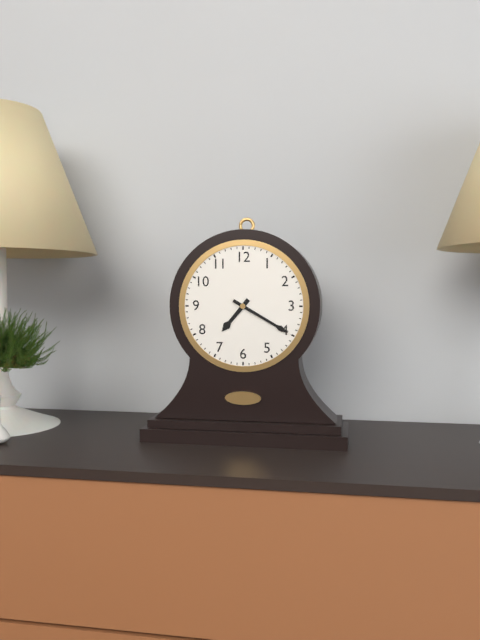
7:20
